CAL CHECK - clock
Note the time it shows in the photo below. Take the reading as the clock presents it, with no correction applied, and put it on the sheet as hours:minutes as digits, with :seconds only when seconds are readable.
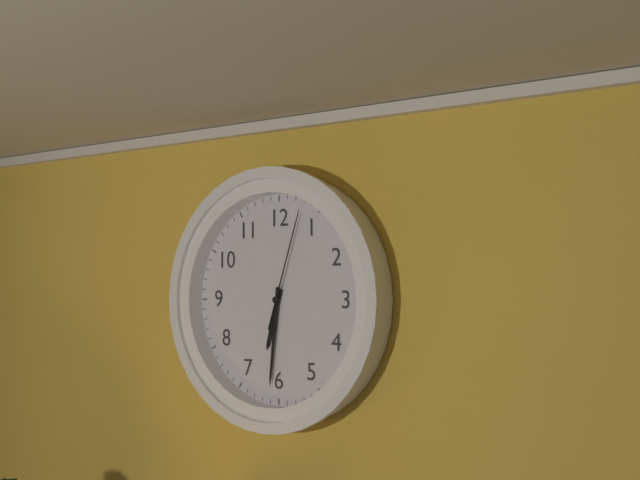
6:31:03
